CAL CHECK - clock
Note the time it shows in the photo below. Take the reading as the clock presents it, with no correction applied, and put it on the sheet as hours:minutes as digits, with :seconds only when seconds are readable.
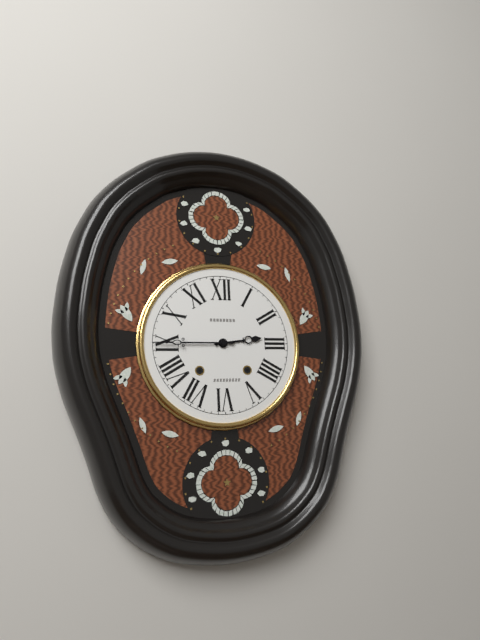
2:45
